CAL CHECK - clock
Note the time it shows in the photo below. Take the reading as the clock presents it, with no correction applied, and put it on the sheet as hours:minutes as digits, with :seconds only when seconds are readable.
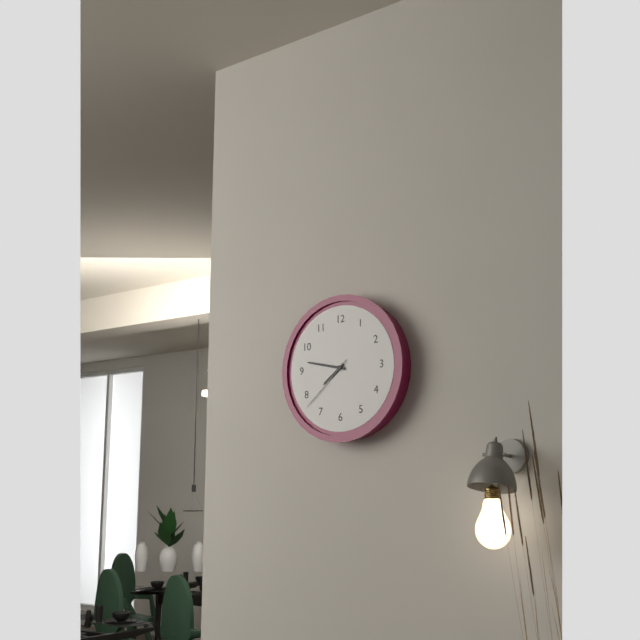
7:47:38
